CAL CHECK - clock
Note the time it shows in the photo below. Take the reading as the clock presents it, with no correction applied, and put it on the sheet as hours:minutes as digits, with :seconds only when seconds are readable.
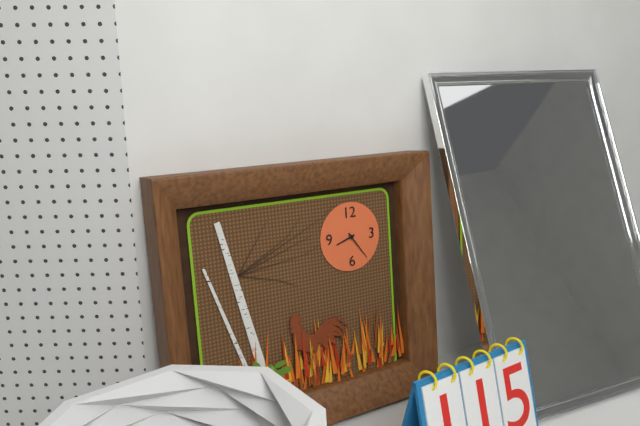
8:24
